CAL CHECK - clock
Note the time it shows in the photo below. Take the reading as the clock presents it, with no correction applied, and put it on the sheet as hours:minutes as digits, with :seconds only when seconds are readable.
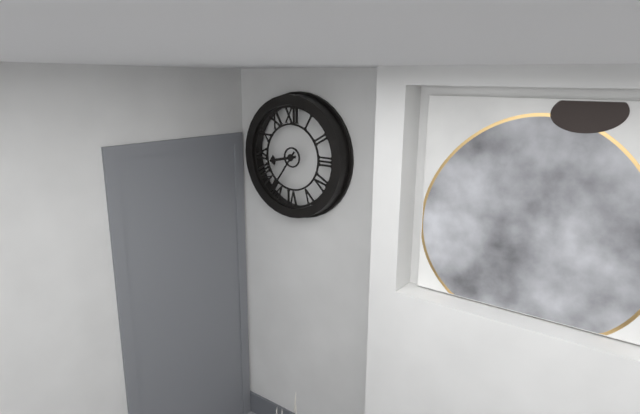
8:36
